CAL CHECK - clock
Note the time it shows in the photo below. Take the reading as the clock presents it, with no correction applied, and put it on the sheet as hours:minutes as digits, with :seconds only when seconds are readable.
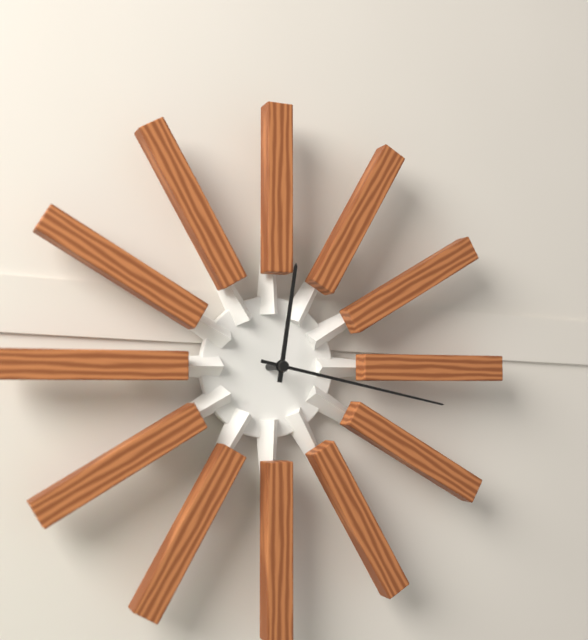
12:17
